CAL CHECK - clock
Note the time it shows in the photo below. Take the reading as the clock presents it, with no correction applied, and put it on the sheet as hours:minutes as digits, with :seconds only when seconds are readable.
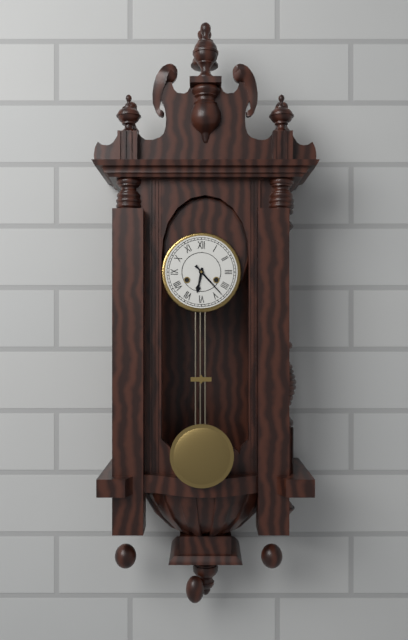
6:23
